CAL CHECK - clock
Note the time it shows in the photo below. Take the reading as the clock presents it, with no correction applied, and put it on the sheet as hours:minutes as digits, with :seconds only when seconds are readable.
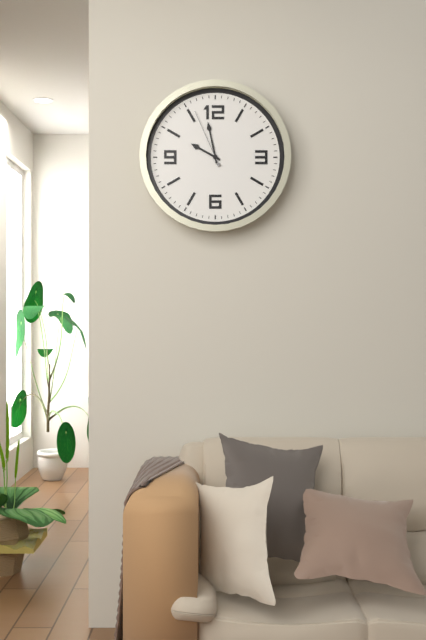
9:58:56
